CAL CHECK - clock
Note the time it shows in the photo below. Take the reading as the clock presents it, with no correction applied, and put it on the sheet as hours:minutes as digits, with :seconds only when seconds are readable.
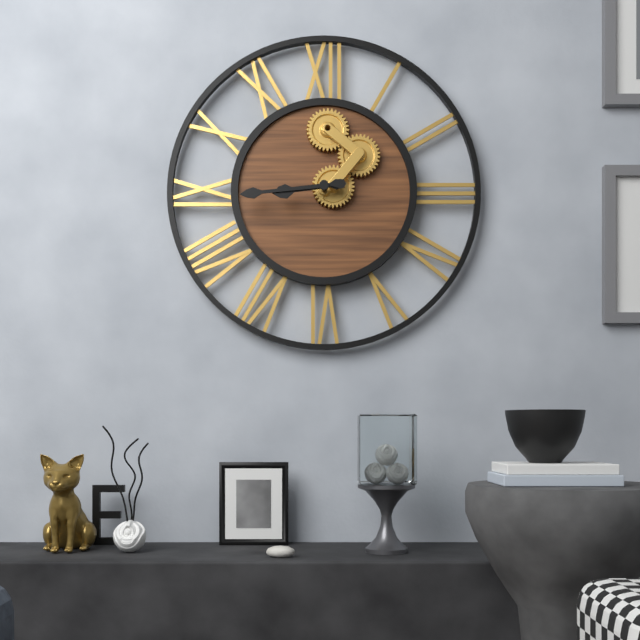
8:44
